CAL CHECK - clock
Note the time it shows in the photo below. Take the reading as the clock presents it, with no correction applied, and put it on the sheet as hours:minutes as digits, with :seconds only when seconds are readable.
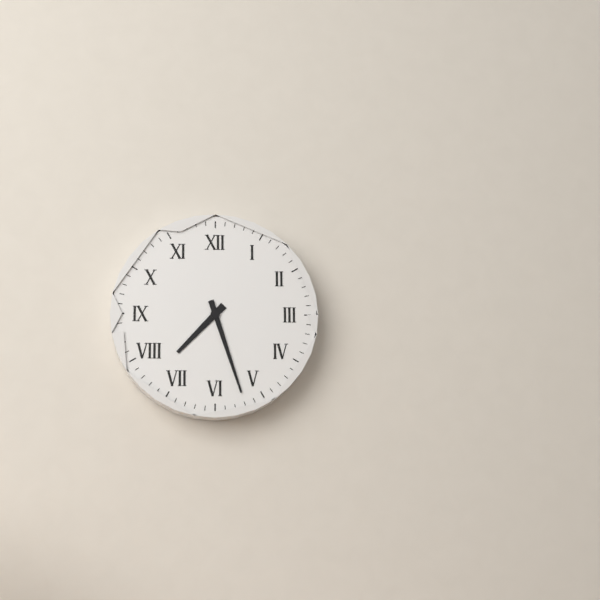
7:27
